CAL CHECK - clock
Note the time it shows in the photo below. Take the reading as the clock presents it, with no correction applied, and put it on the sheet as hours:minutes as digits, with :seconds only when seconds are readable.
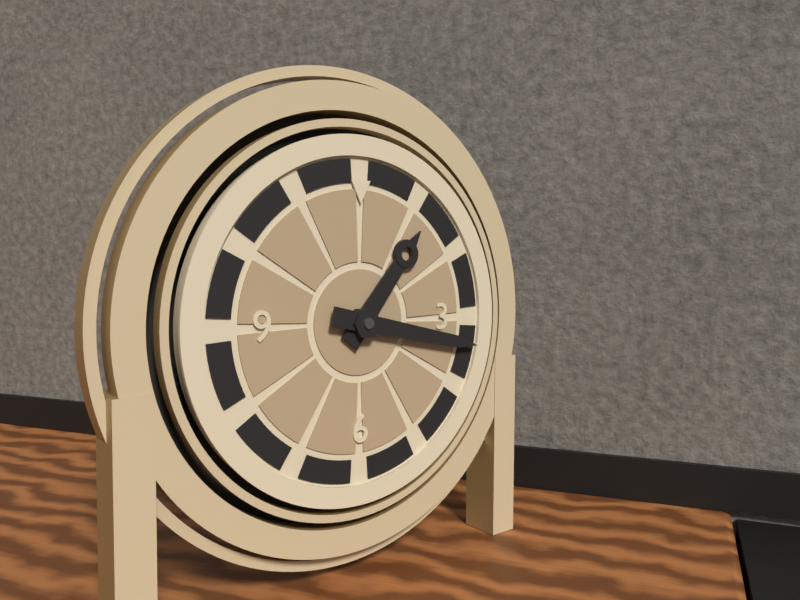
1:17
